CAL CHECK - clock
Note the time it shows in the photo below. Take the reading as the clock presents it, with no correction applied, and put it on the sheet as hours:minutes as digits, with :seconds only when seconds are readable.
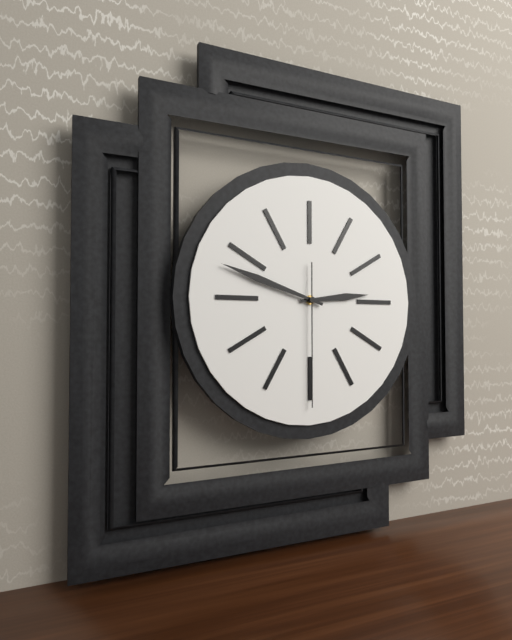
2:48:30
